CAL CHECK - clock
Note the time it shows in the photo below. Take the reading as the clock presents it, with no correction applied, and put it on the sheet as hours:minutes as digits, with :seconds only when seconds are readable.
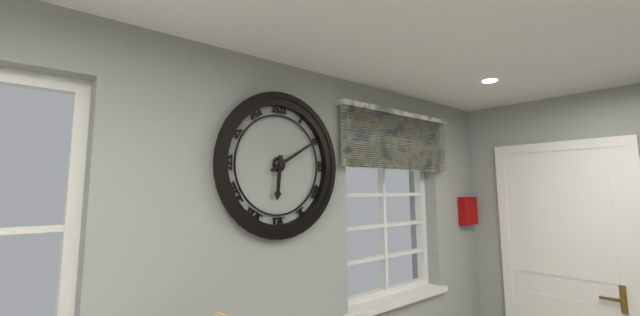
6:10
